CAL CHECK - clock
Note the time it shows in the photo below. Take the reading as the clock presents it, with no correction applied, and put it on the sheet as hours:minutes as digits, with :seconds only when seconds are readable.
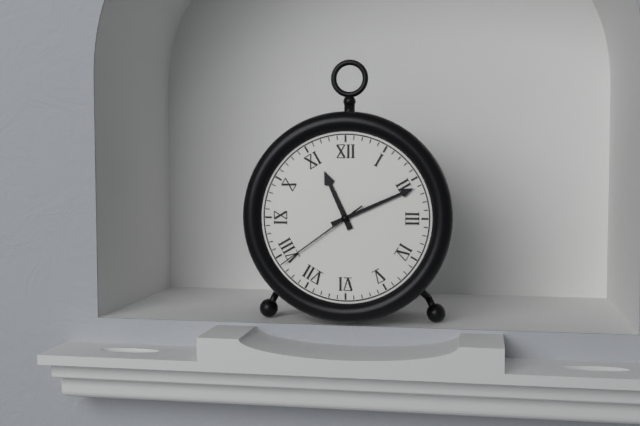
11:11:39
